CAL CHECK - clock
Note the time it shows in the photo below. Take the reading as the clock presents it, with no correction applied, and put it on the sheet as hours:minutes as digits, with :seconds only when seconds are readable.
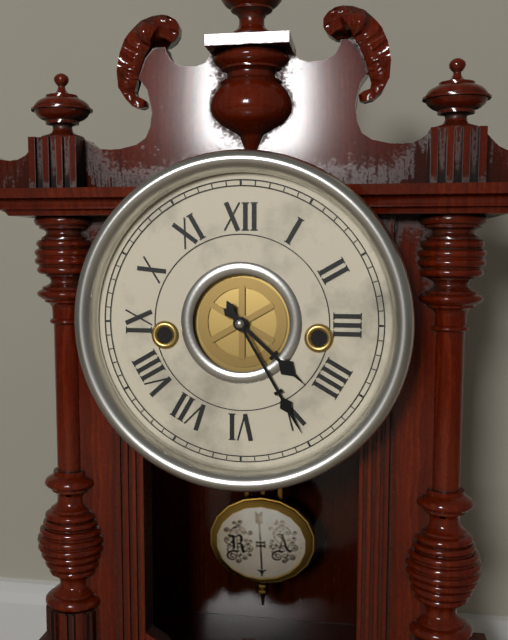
4:25
